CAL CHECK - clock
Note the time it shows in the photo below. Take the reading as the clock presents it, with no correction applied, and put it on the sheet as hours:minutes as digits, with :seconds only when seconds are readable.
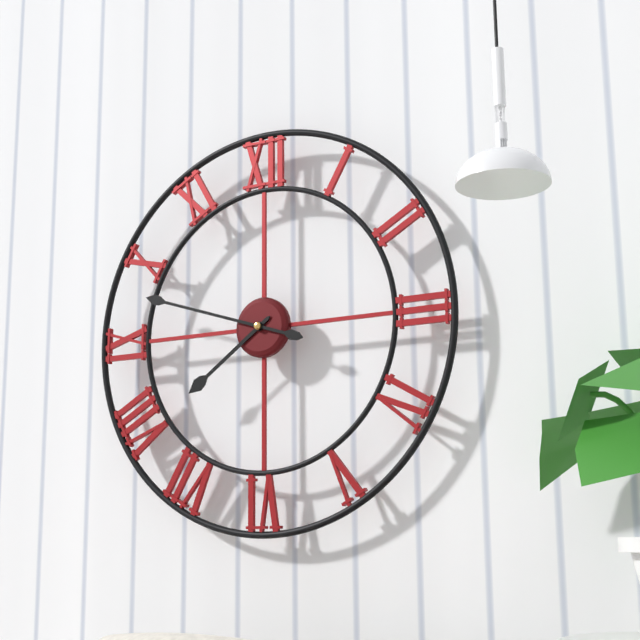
7:48
